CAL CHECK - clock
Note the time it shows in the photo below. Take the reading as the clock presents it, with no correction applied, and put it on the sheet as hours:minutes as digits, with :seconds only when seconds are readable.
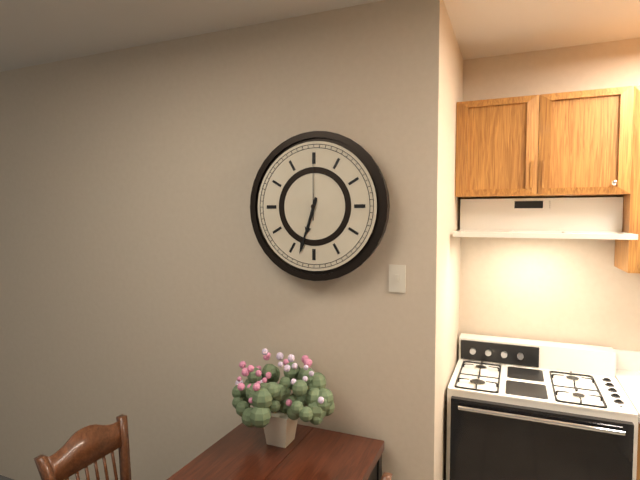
6:33:00
